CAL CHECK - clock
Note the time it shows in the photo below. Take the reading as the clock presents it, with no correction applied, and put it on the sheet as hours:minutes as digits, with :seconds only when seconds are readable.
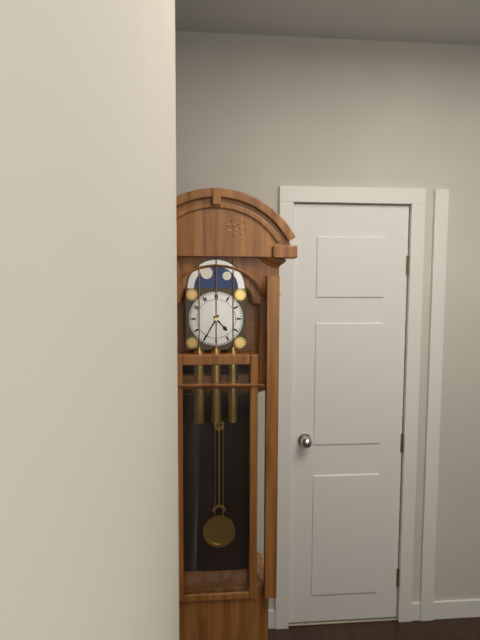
4:35
